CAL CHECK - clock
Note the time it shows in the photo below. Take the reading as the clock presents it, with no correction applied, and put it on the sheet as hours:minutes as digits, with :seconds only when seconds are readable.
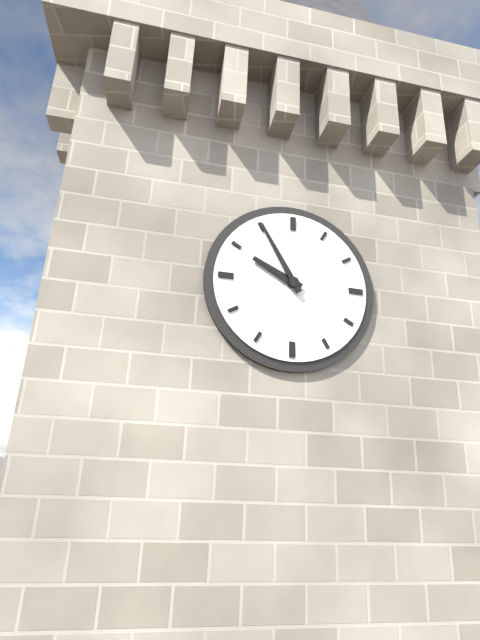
9:55
